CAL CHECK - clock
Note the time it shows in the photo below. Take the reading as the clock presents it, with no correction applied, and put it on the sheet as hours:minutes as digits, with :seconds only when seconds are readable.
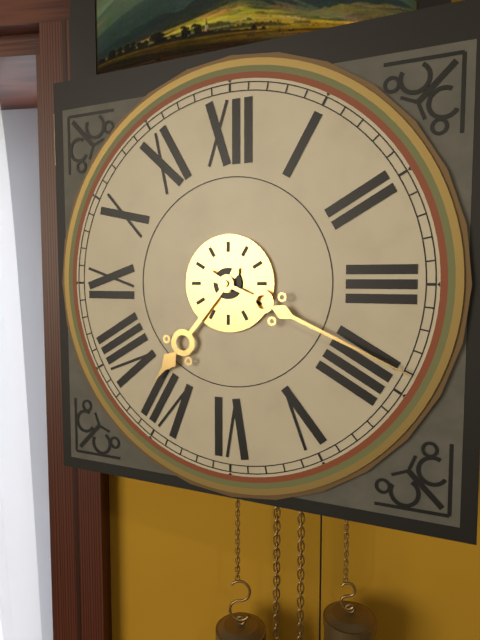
7:19
